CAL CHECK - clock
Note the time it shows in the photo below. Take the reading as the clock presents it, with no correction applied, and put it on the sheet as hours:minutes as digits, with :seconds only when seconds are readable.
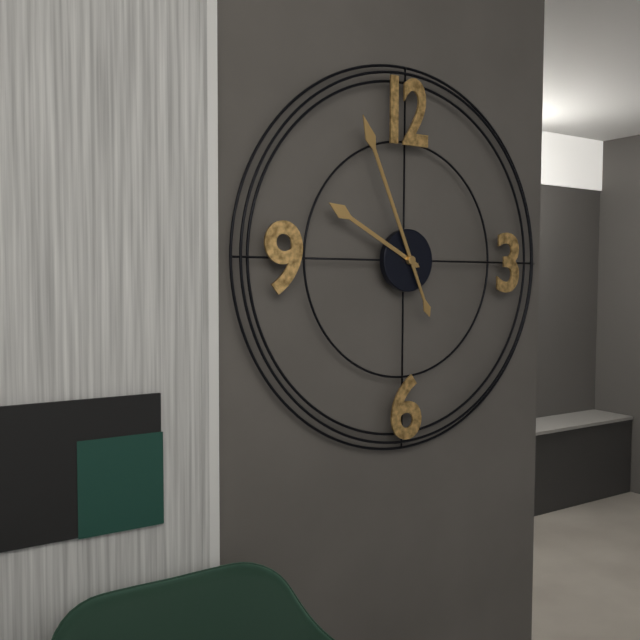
9:56
